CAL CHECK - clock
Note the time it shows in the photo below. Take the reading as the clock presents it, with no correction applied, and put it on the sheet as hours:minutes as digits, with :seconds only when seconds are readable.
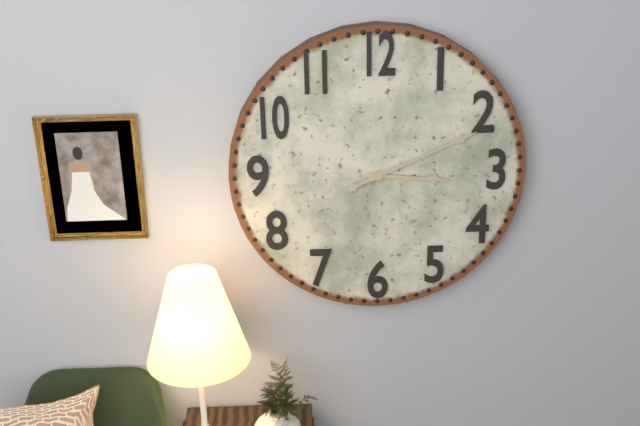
3:11
